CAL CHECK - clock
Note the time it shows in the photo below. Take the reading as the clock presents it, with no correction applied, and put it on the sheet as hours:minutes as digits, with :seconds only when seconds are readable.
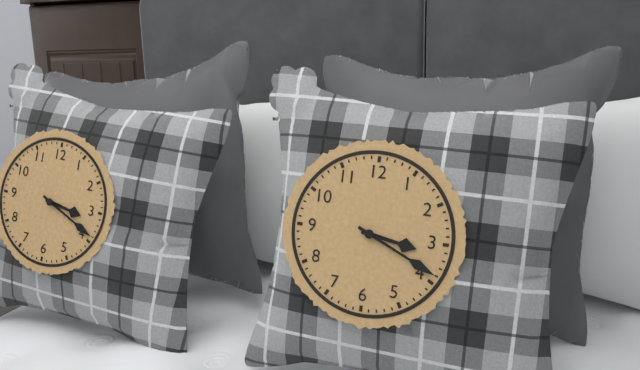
3:19
